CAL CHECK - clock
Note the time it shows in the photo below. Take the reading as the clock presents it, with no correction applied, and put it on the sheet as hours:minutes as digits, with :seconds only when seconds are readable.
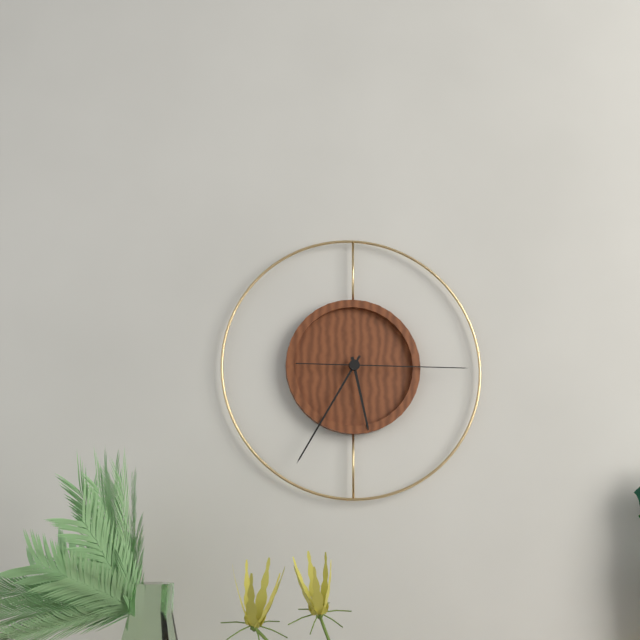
5:35:15
